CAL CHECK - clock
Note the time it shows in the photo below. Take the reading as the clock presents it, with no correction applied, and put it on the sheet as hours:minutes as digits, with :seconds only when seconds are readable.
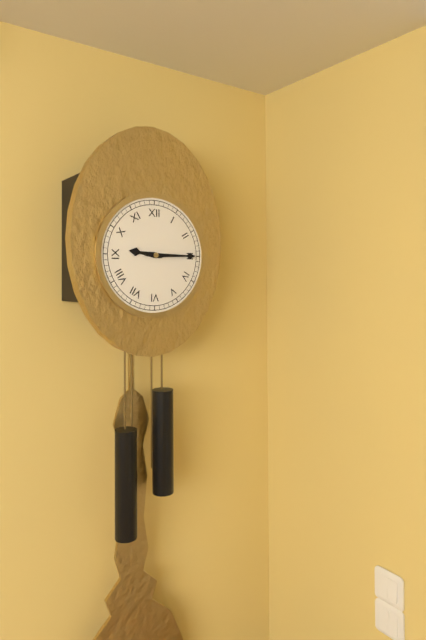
9:15
